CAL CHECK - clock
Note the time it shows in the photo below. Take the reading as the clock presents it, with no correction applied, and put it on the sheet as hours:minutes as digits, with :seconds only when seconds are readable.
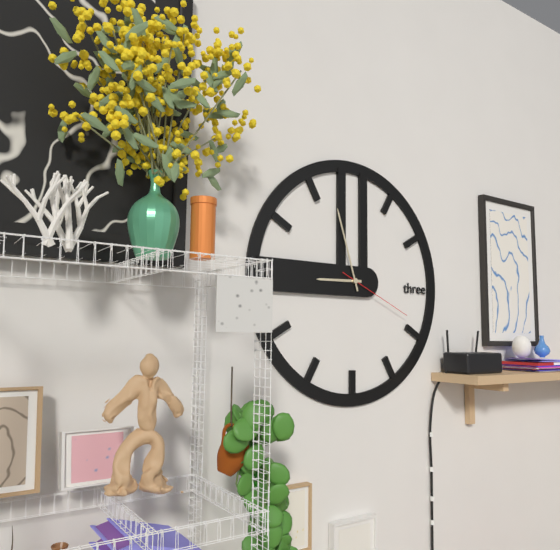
8:57:19
